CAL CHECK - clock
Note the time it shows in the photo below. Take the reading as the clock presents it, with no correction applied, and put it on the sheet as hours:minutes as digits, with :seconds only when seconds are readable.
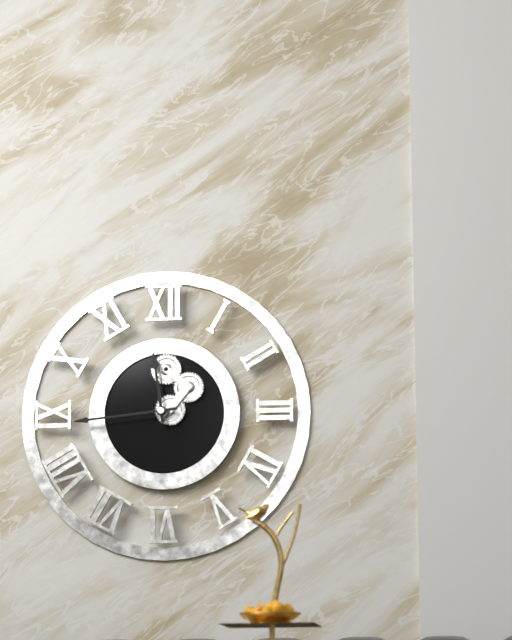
11:44
